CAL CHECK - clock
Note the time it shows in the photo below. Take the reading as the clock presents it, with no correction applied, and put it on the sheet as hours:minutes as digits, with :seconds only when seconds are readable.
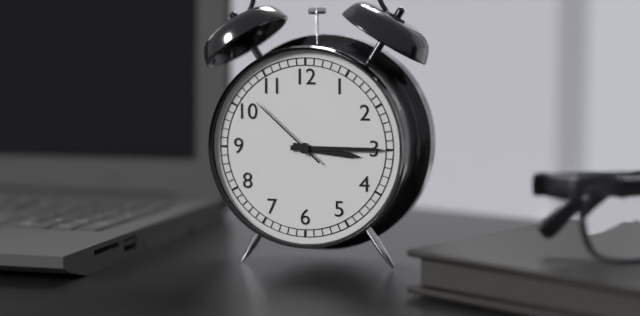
3:15:52
